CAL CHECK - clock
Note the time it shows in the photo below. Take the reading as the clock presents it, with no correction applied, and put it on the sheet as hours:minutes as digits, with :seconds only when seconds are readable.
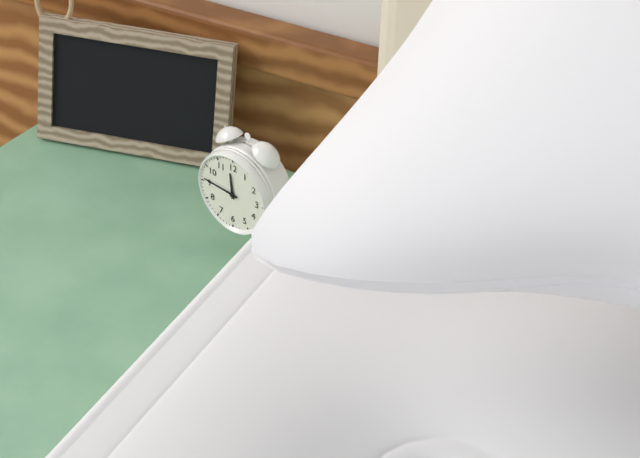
11:46
